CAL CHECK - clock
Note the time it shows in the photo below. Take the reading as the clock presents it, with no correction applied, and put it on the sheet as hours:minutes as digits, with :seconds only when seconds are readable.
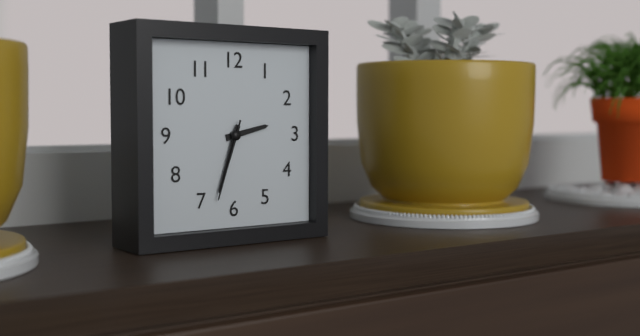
2:33:33
